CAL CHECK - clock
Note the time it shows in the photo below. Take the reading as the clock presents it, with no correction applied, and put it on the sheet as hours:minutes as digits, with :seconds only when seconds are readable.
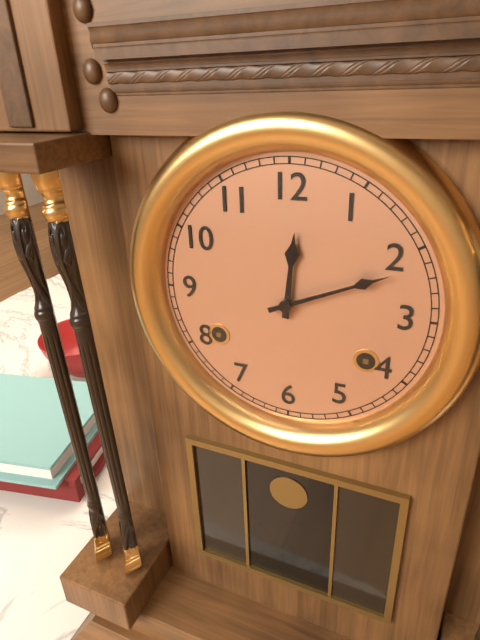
12:11
